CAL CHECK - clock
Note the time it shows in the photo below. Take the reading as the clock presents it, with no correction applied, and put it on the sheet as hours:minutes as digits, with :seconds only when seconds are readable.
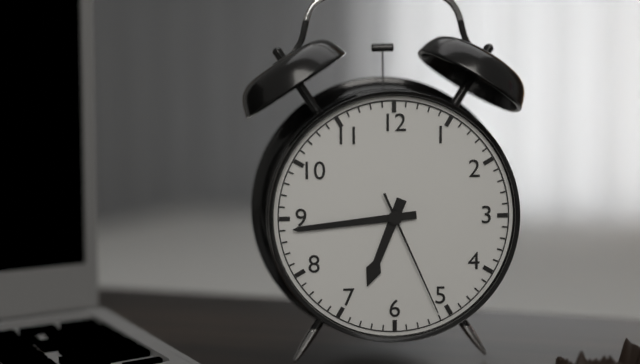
6:44:26
